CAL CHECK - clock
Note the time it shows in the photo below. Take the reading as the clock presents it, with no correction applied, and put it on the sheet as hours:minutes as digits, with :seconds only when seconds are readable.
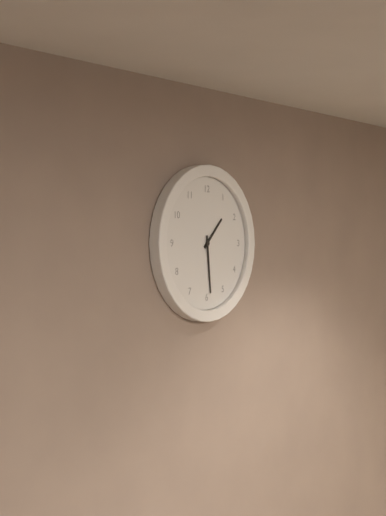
1:29
